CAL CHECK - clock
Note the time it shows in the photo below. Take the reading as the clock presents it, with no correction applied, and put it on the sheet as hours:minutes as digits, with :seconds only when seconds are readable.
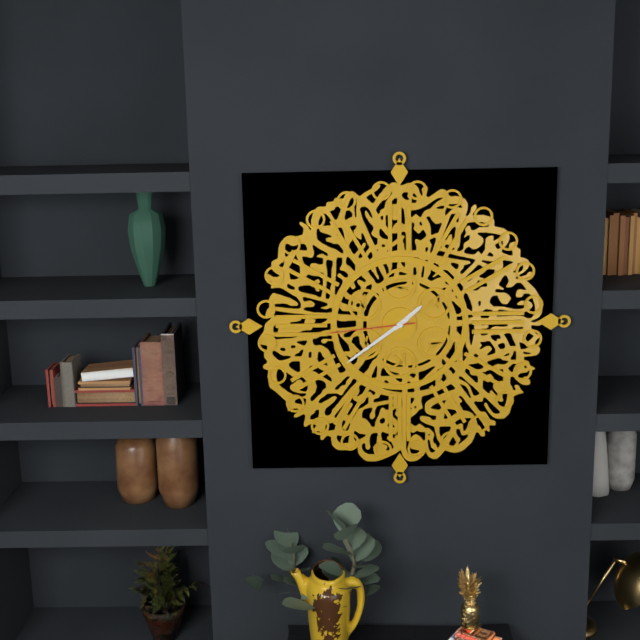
1:39:44
